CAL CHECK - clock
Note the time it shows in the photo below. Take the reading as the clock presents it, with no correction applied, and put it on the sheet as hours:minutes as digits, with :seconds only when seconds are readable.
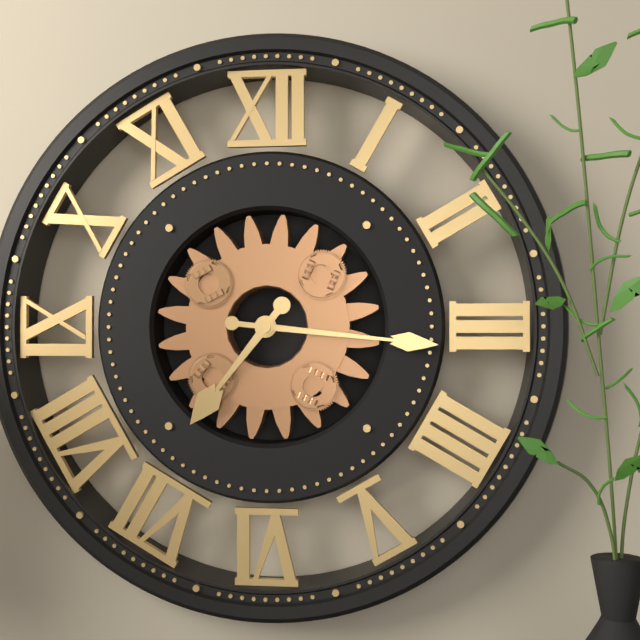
7:16
